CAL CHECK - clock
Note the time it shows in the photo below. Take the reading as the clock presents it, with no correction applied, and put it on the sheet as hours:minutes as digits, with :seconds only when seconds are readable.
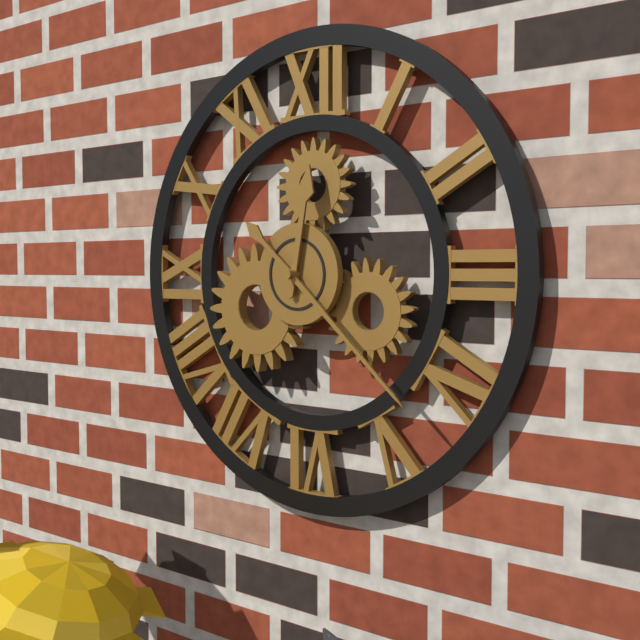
12:22
